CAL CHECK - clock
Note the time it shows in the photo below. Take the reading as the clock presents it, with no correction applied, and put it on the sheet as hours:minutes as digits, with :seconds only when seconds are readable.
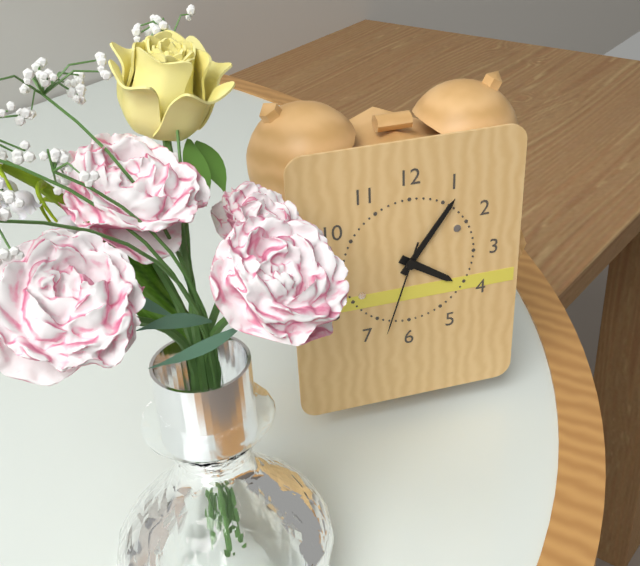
4:06:33
